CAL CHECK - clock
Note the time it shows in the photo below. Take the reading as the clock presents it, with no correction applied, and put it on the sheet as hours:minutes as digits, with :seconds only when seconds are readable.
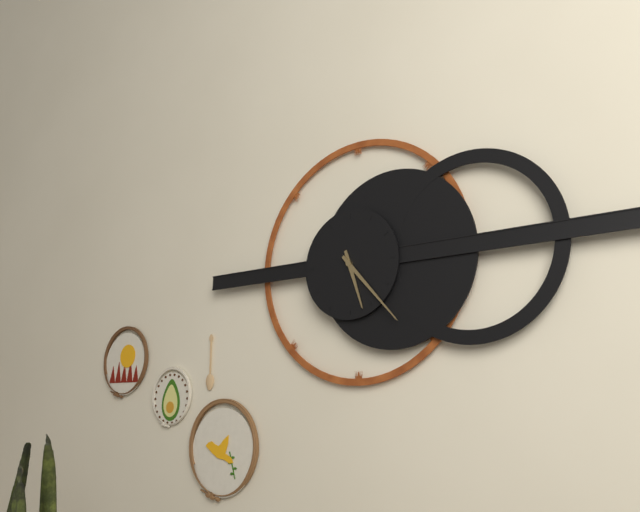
5:23
